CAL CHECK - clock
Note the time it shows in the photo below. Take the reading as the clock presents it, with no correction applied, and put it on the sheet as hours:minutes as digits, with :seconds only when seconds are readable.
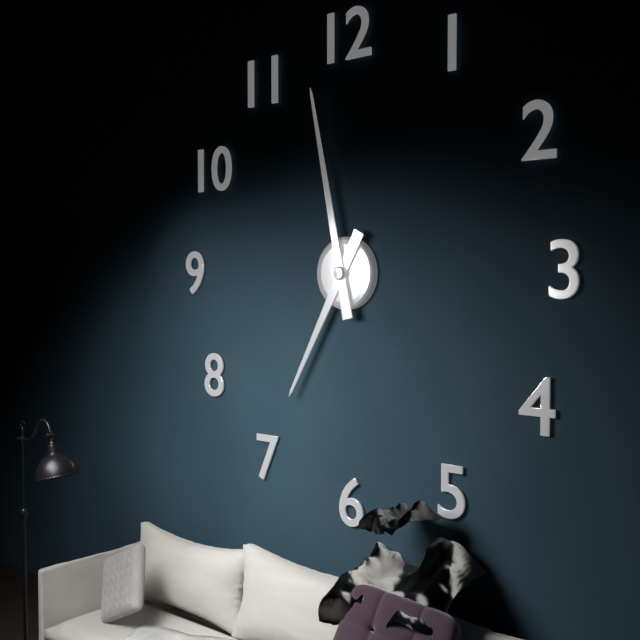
6:58
